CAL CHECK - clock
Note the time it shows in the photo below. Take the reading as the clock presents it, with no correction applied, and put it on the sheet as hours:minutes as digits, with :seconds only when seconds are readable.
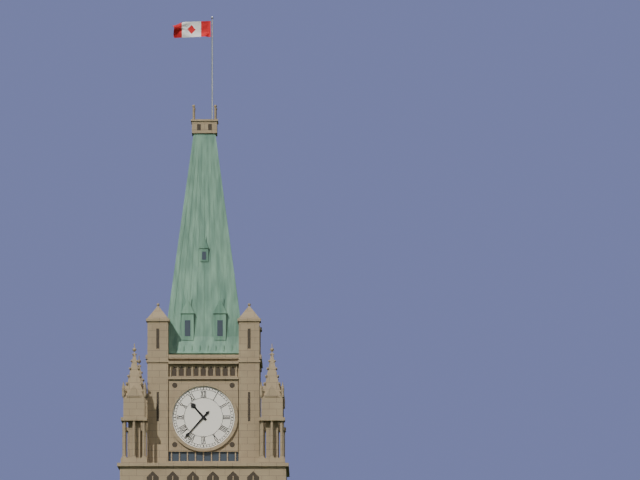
10:37
